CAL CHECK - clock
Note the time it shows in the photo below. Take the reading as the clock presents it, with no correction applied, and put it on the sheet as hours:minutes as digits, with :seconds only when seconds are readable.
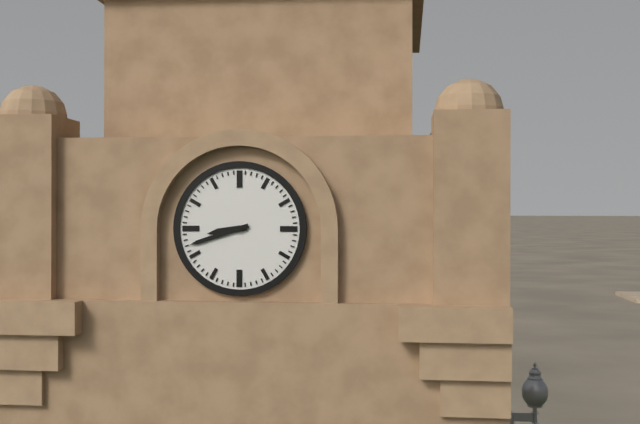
8:42
